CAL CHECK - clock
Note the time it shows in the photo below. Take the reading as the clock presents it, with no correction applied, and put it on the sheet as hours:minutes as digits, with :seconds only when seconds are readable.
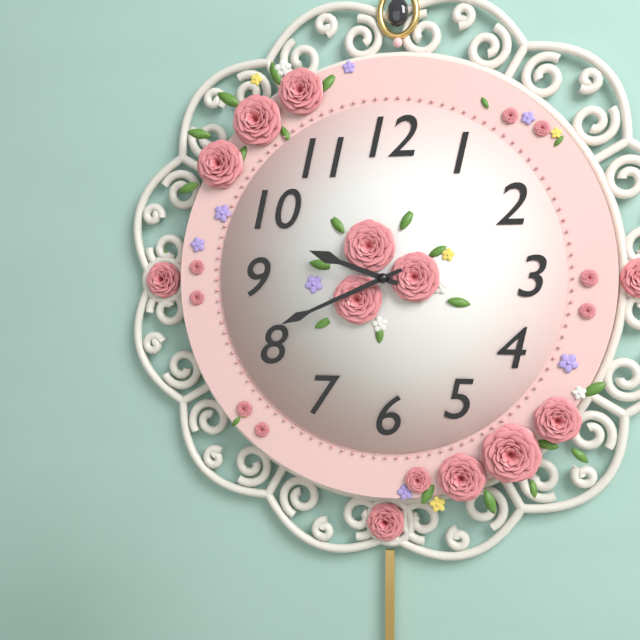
9:41
